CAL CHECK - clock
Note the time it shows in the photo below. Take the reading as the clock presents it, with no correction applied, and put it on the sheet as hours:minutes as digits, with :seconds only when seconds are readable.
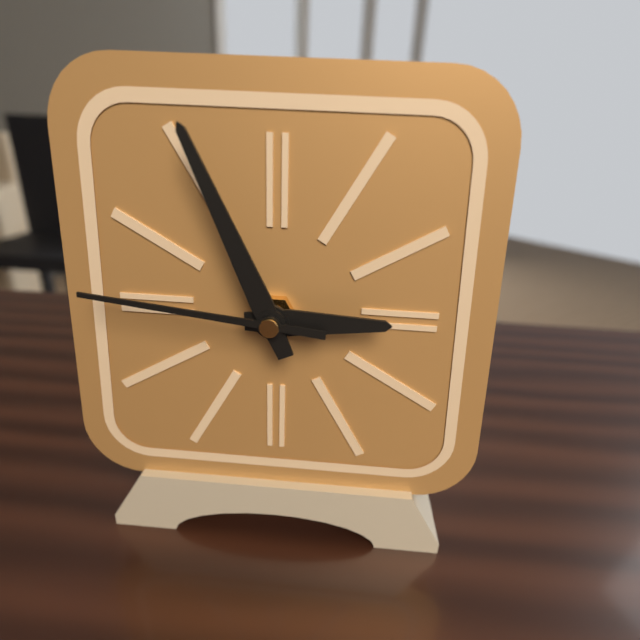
2:56:46
